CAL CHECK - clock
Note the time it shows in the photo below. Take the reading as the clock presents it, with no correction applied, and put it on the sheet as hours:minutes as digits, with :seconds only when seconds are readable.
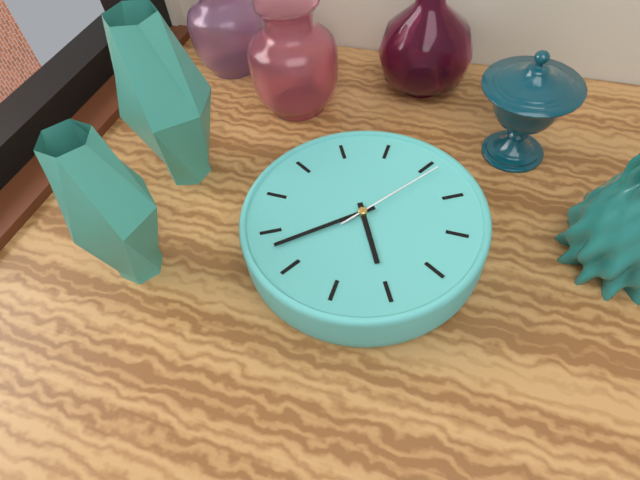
10:03:31
